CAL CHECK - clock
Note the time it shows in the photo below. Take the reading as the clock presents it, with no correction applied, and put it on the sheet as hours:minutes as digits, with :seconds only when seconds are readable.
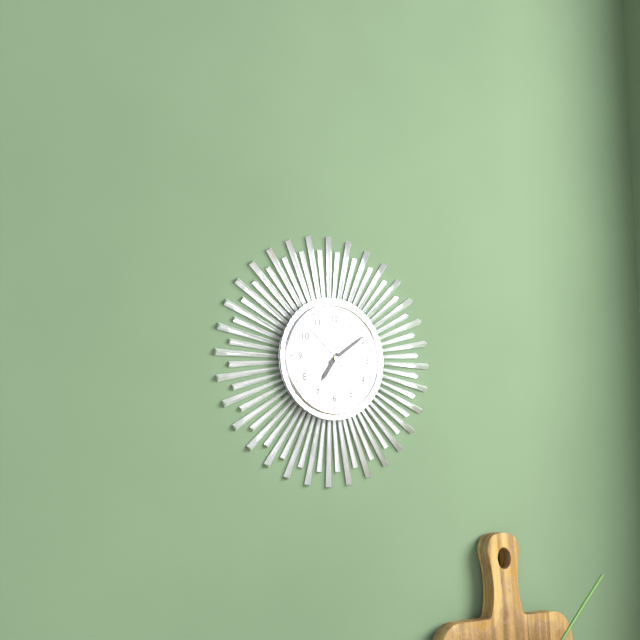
7:09:52
